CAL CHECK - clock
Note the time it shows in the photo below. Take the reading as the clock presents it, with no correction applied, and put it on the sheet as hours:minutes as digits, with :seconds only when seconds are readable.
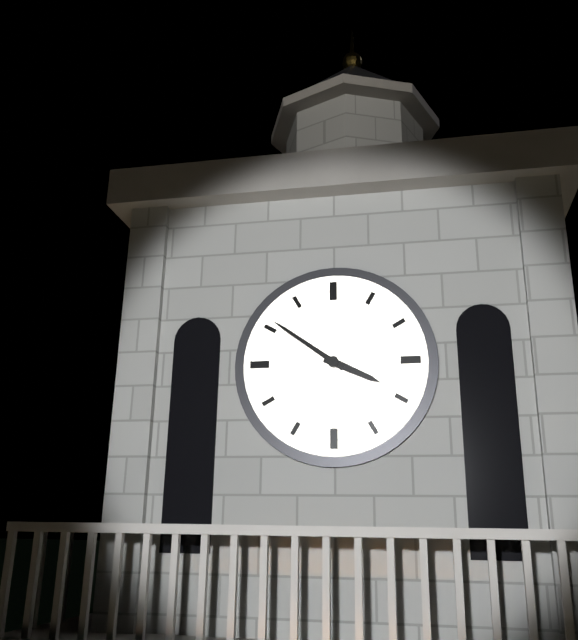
3:51
